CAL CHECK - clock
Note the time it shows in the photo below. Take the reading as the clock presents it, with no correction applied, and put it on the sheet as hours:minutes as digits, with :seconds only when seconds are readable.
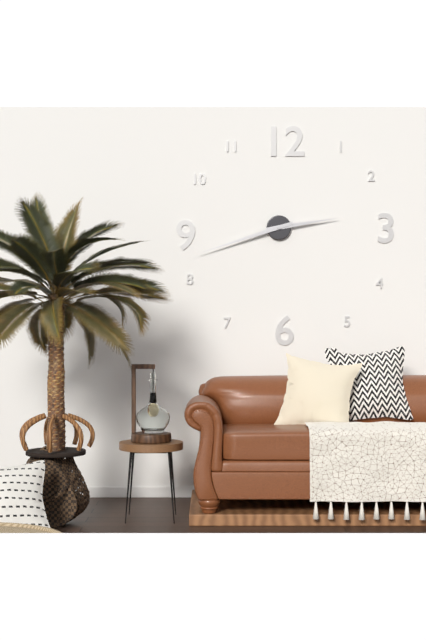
2:42
